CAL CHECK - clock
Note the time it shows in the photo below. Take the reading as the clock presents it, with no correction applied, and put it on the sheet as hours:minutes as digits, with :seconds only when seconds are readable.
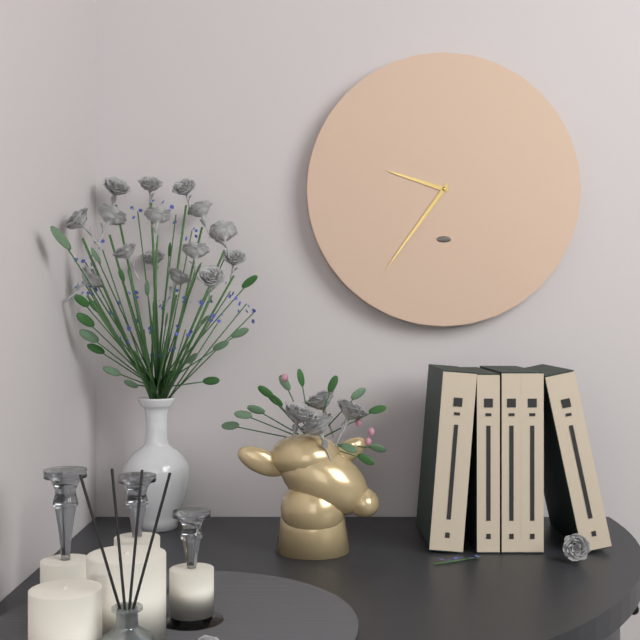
9:36
